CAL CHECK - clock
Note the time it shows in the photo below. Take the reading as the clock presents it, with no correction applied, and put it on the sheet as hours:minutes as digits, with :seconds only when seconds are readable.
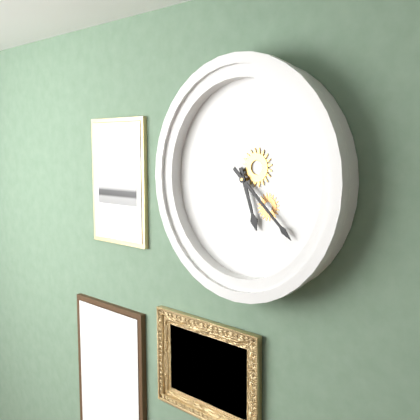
5:22
